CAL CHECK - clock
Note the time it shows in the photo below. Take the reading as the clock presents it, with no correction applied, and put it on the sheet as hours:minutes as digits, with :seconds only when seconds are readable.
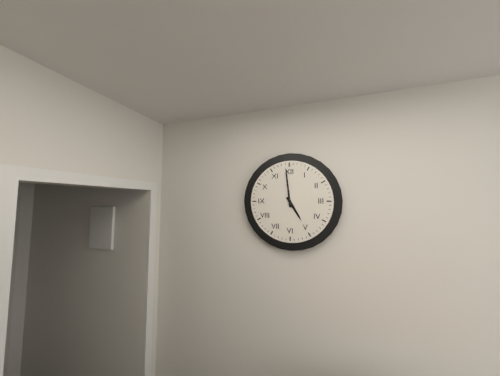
4:59
